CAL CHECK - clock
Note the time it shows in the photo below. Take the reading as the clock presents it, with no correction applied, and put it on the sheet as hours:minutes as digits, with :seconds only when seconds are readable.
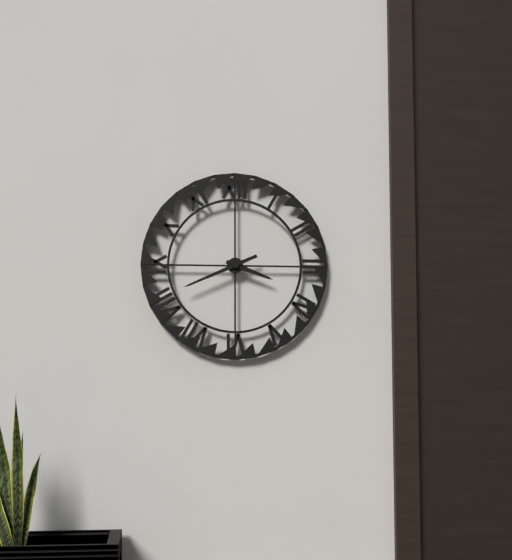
3:41
